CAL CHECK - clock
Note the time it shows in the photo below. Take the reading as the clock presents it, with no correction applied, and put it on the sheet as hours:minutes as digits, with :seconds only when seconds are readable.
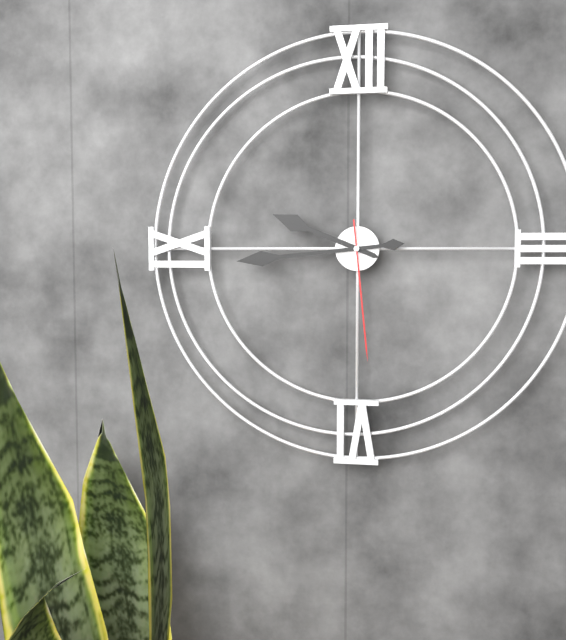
9:44:29
